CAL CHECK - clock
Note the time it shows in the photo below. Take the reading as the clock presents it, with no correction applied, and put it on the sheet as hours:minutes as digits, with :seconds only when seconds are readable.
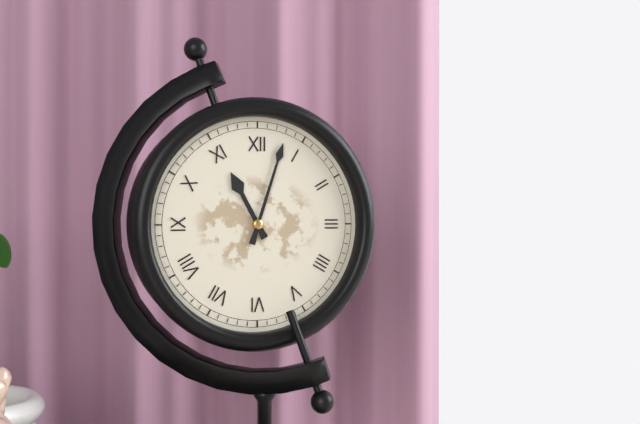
11:03
